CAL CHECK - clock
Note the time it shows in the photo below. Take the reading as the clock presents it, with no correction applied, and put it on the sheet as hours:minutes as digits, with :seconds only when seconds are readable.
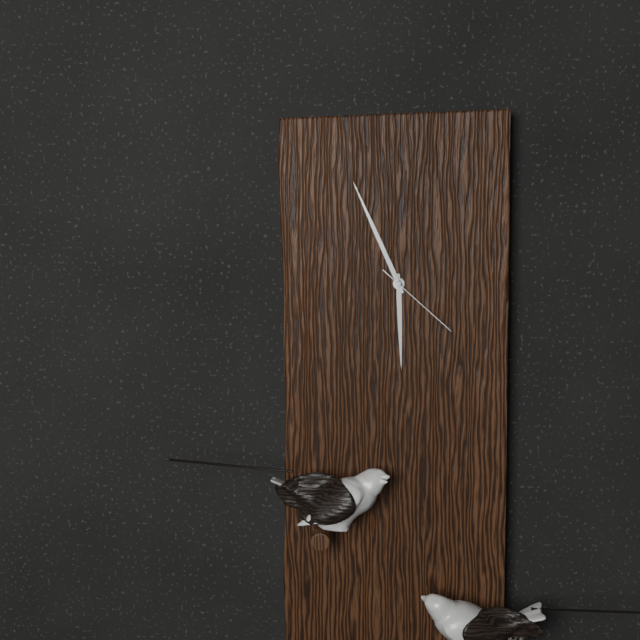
5:56:22
